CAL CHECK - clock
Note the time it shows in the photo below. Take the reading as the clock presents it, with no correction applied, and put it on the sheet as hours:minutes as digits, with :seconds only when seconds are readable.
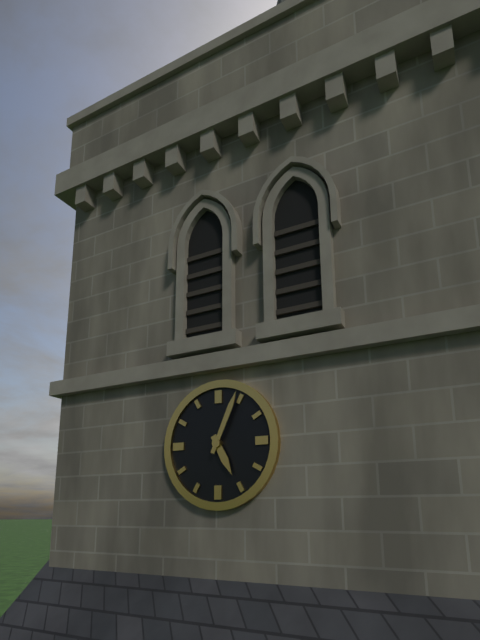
5:04
